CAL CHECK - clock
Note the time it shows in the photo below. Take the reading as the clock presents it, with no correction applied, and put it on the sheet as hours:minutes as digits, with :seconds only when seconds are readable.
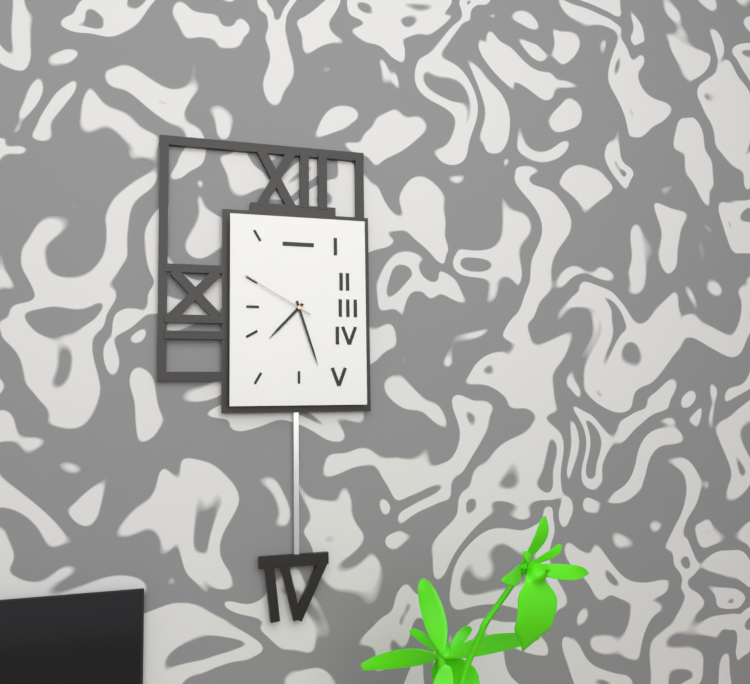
7:27:50
